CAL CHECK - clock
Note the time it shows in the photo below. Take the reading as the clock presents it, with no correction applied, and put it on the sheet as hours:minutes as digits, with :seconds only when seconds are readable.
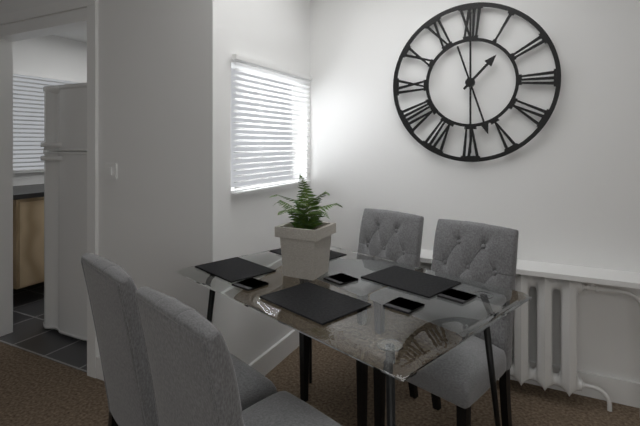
1:27
